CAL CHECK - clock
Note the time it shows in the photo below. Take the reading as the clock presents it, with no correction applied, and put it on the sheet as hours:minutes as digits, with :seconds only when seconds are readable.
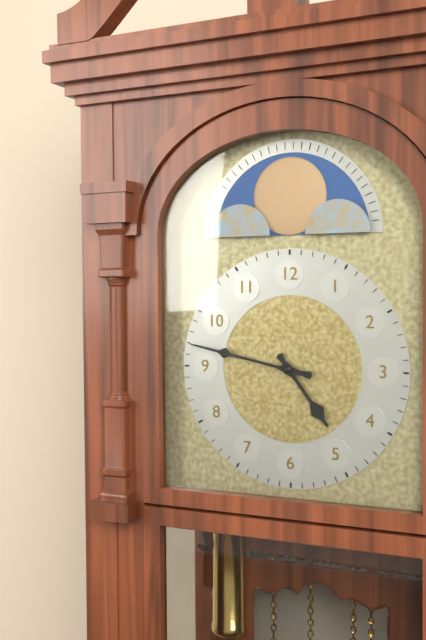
4:47
